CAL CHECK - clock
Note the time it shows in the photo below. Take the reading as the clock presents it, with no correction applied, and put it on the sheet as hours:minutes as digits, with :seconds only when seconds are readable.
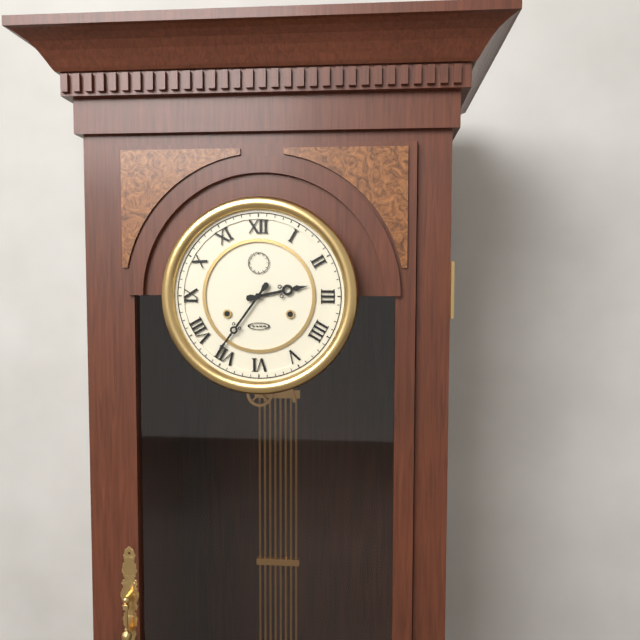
2:36
